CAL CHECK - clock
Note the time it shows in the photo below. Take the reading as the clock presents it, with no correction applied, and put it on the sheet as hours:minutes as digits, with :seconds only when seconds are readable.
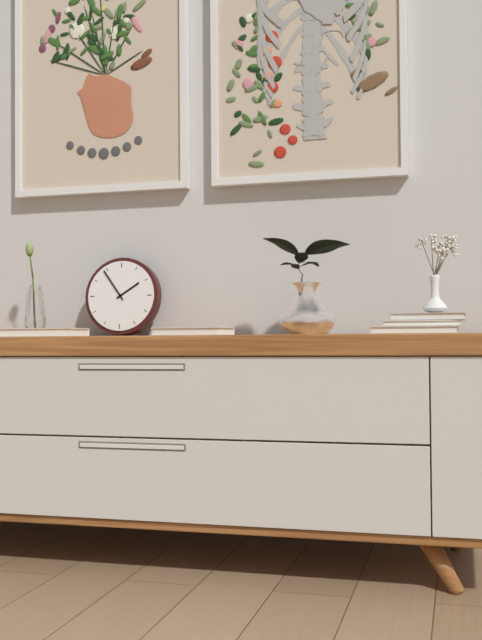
1:54
